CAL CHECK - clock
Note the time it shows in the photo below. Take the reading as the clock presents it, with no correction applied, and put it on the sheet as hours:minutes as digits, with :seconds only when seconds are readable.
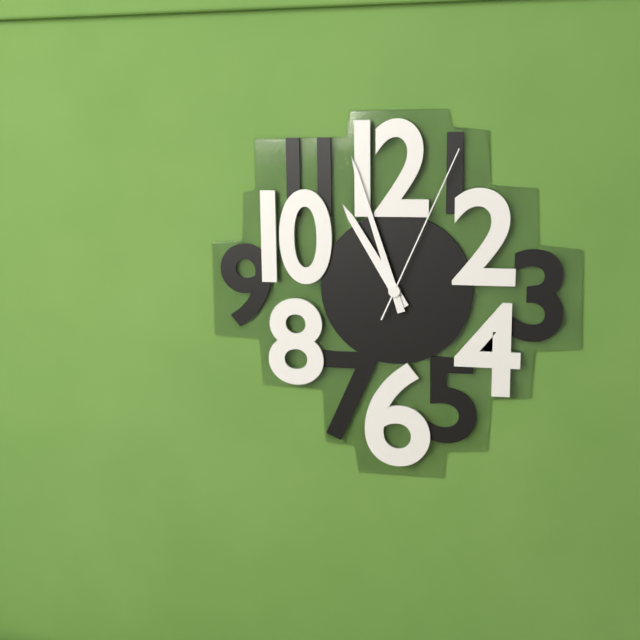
10:57:04
